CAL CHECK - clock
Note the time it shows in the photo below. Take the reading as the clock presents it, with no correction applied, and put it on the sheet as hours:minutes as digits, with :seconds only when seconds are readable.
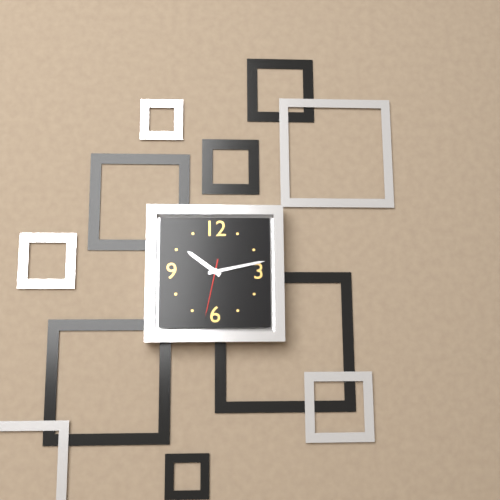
10:13:32
